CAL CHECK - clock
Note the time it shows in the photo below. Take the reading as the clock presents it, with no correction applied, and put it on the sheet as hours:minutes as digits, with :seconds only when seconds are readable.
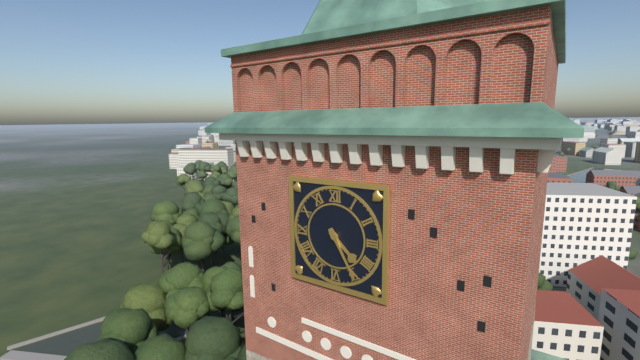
4:25
